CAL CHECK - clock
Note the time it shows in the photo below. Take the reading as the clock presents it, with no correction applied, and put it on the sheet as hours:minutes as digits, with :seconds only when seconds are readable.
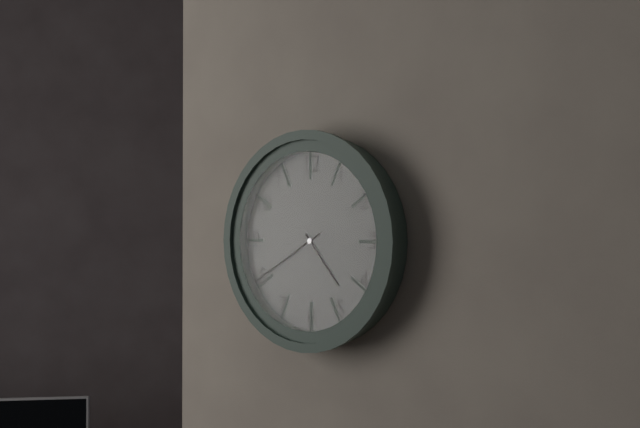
4:40
